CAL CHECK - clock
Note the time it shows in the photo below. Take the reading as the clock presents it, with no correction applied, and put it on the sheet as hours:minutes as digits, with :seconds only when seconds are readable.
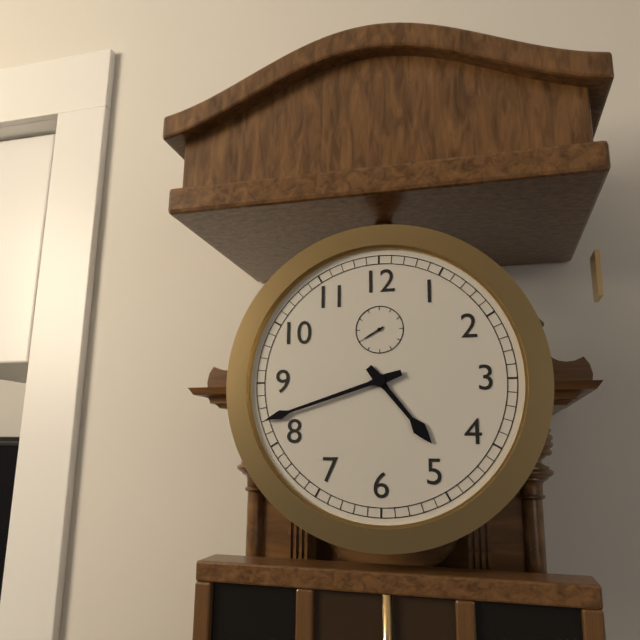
4:42
